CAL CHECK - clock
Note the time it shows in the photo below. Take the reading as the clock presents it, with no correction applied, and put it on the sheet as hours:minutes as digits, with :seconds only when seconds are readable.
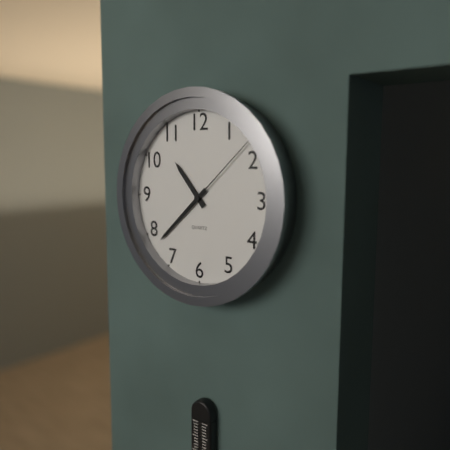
10:38:08
